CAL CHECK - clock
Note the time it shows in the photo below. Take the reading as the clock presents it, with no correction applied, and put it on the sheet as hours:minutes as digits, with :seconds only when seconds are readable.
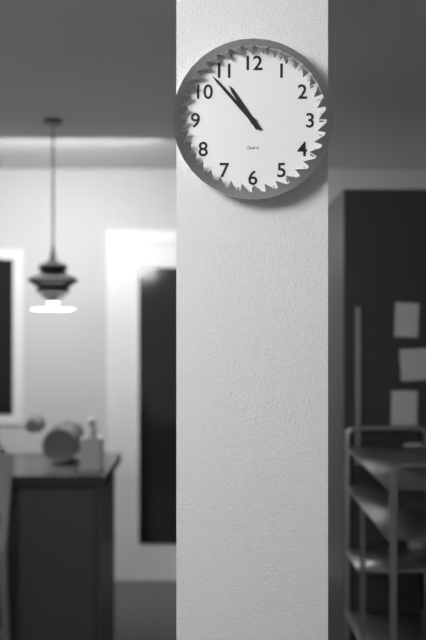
10:53
